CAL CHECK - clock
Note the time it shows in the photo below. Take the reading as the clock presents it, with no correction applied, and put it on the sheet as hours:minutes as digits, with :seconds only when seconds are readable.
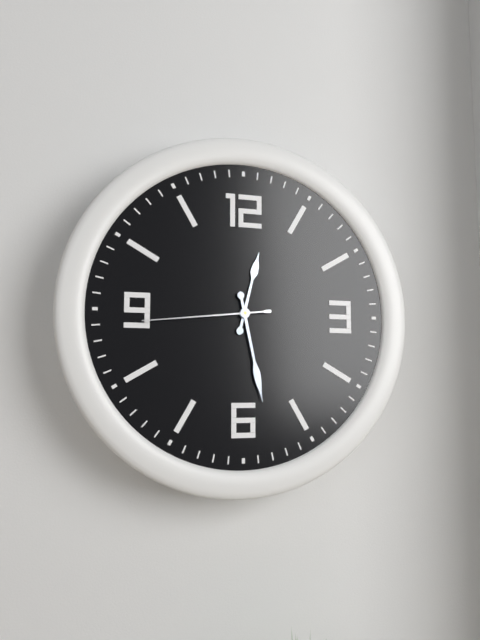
12:28:44
